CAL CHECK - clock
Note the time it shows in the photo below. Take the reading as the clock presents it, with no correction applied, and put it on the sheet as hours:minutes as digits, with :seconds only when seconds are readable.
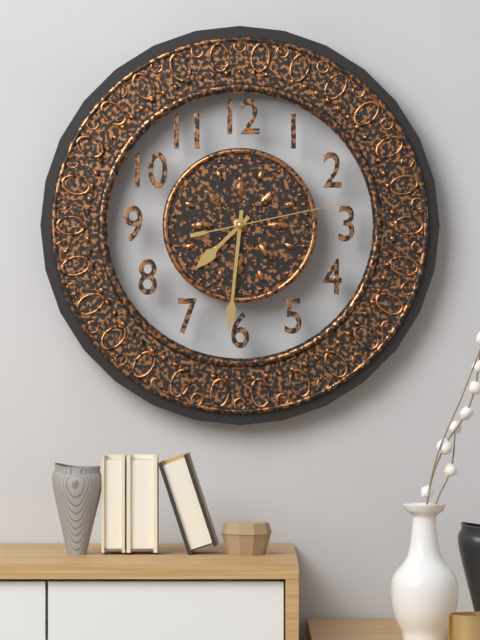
7:31:13
